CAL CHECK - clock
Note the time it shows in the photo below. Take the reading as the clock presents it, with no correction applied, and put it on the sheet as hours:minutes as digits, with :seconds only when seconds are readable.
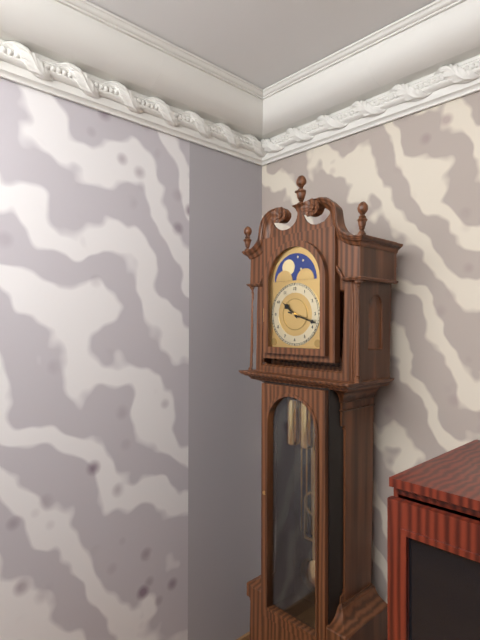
10:18
